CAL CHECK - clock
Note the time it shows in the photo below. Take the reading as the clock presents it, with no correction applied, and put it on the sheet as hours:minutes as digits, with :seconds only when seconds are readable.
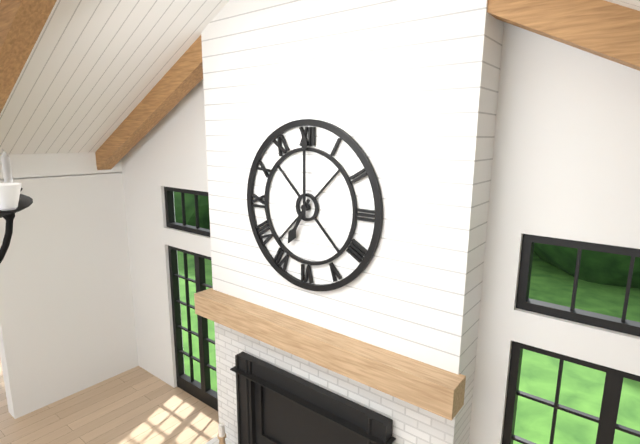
7:00
